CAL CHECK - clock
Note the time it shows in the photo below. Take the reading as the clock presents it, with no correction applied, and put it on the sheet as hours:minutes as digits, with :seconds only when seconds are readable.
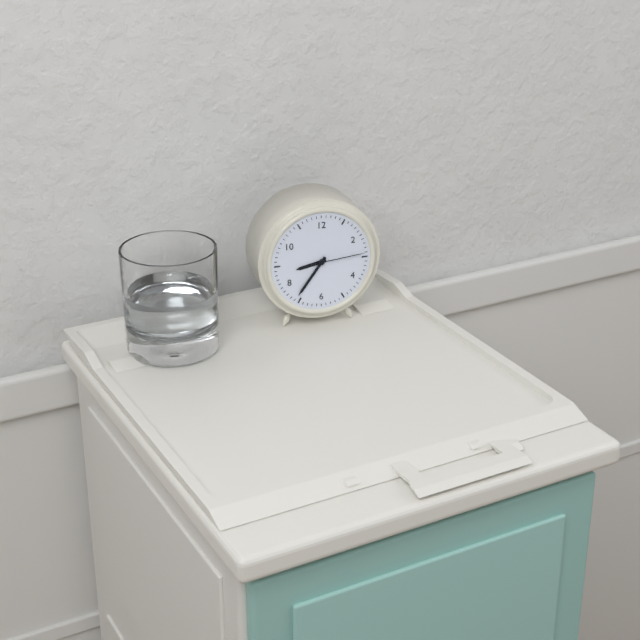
8:36:14
